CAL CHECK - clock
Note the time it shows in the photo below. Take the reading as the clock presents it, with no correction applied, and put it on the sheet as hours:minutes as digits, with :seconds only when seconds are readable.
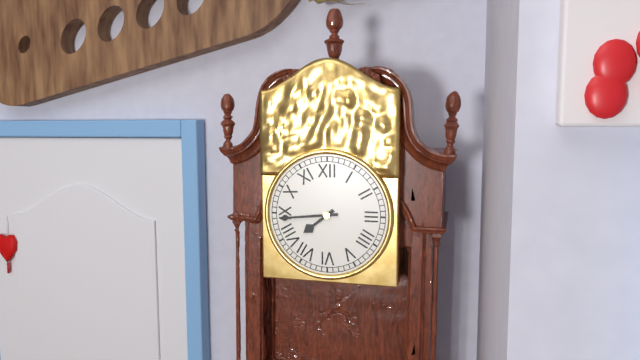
7:44
